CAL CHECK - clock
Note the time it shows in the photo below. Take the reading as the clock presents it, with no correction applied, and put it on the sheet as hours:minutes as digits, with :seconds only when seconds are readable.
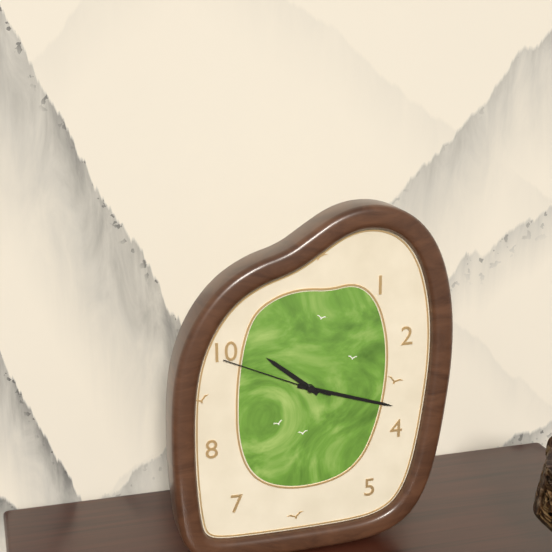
10:18:49
